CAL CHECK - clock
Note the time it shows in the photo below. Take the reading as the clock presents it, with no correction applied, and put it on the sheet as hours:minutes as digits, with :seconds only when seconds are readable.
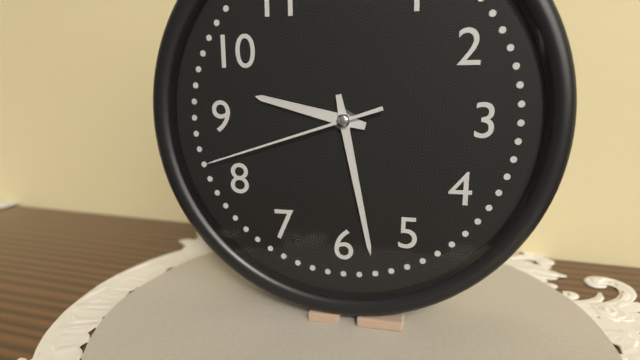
9:28:42
